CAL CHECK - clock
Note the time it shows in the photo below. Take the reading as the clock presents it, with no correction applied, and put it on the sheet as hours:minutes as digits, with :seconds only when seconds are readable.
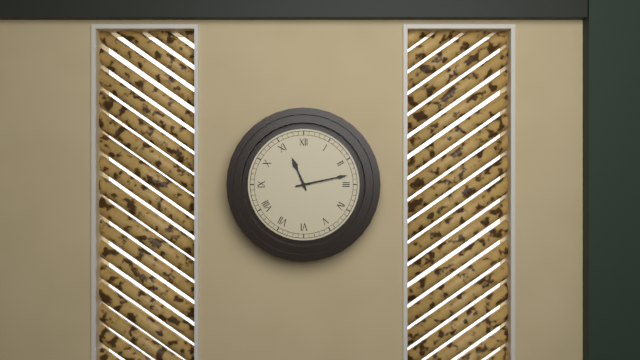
11:13
